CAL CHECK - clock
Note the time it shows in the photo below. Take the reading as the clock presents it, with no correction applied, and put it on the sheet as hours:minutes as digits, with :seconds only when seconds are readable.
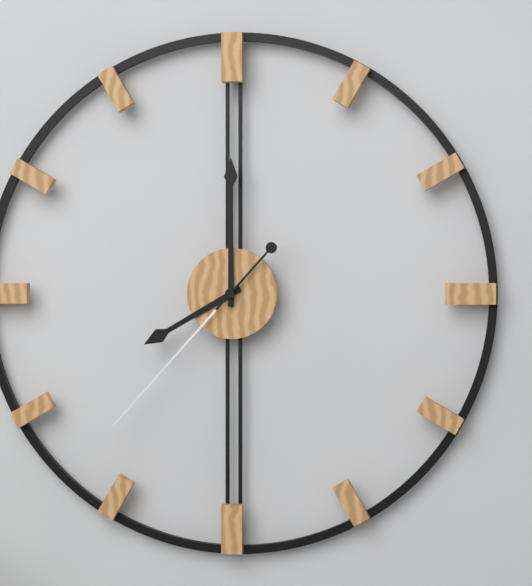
8:00:37
